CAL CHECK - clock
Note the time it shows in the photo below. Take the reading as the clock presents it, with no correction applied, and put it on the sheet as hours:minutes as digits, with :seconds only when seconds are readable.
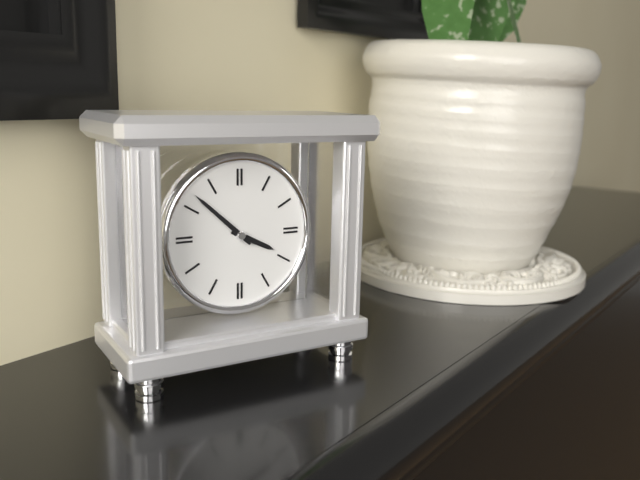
3:52
